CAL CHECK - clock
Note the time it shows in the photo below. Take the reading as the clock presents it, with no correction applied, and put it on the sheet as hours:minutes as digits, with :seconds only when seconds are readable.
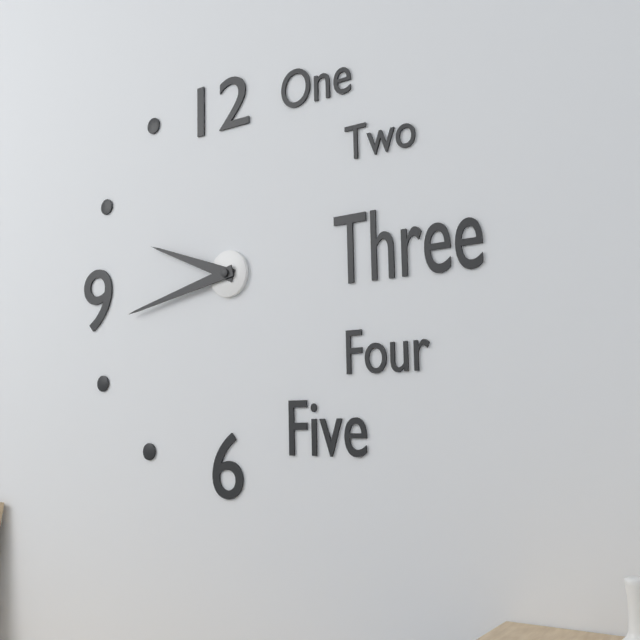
9:43
